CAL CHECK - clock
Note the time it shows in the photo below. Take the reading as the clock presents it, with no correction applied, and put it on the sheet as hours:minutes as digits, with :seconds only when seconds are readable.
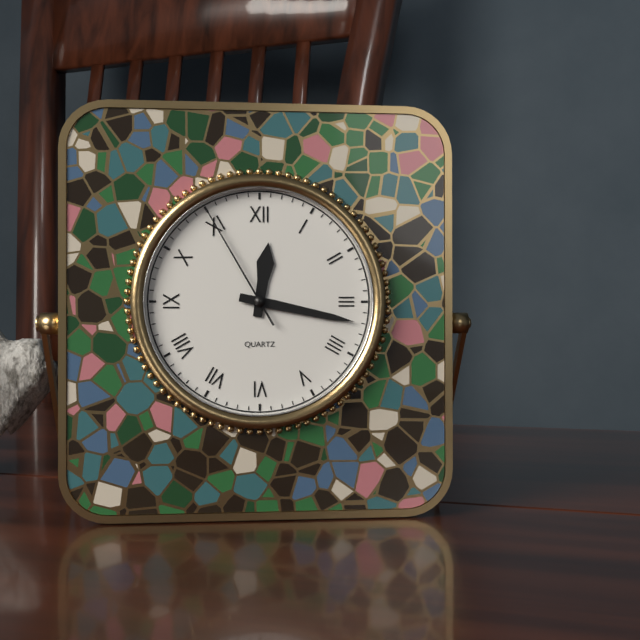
12:17:55
